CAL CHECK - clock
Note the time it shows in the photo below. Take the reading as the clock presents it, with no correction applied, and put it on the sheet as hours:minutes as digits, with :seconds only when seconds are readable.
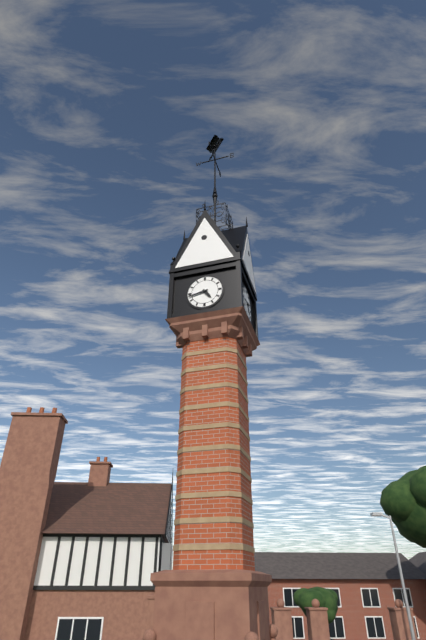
4:43
